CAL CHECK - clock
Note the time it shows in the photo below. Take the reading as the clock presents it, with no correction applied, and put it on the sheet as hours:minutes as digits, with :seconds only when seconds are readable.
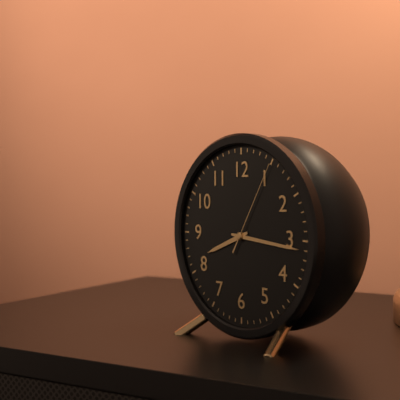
8:16:05
